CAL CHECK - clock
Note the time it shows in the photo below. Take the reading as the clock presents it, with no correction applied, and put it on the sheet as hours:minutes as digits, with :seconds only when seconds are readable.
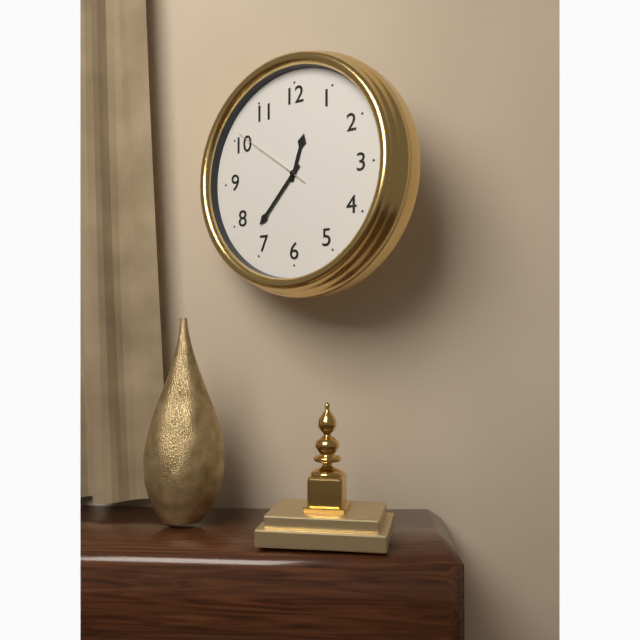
12:37:51
